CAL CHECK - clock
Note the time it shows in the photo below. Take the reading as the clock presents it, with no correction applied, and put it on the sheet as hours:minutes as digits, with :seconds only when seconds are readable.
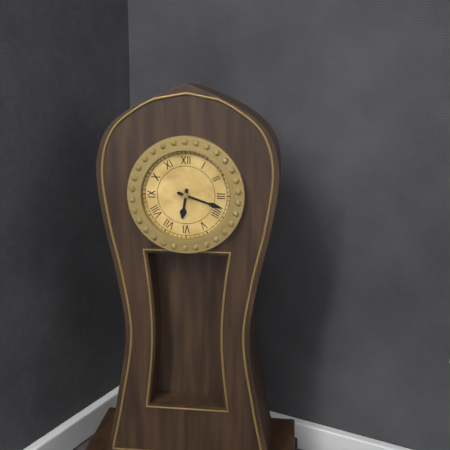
6:18
